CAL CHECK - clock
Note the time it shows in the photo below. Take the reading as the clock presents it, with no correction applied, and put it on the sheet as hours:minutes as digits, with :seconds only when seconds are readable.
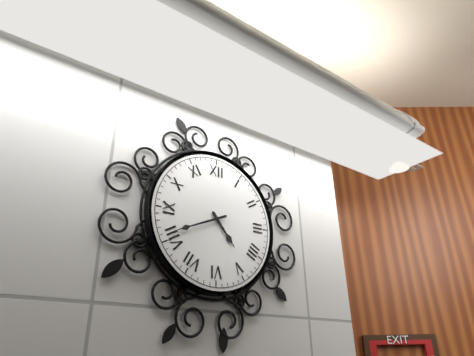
4:41
